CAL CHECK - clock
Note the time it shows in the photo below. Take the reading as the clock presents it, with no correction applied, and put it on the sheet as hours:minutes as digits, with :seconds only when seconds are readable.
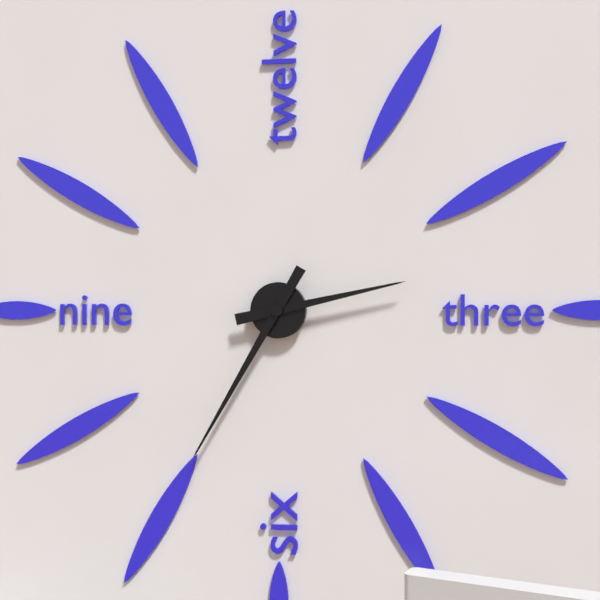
2:35
